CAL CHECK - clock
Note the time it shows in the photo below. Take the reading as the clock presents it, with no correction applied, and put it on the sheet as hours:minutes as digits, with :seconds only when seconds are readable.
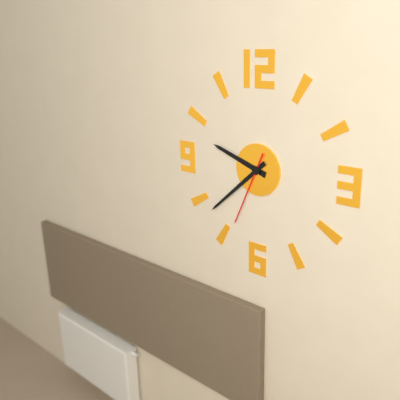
9:38:34
